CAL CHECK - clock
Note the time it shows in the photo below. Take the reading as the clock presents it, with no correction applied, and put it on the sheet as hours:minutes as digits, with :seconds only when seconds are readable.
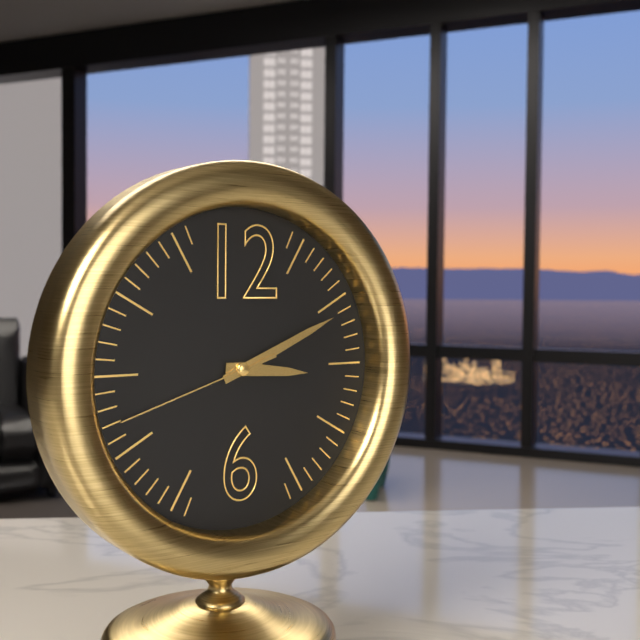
3:11:42
